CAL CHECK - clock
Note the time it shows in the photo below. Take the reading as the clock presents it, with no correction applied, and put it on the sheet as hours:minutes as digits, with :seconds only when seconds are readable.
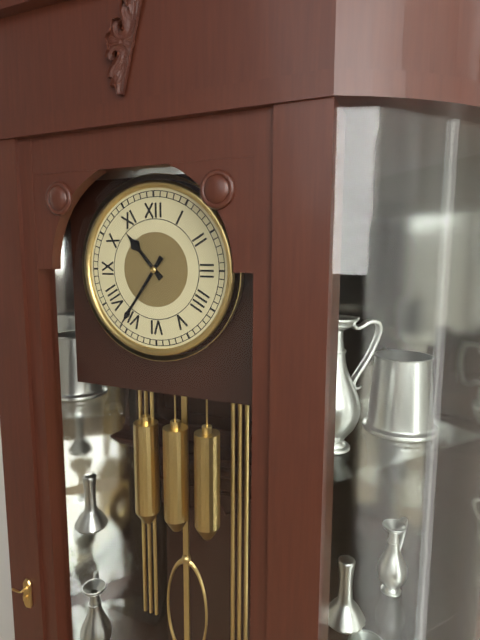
10:36
